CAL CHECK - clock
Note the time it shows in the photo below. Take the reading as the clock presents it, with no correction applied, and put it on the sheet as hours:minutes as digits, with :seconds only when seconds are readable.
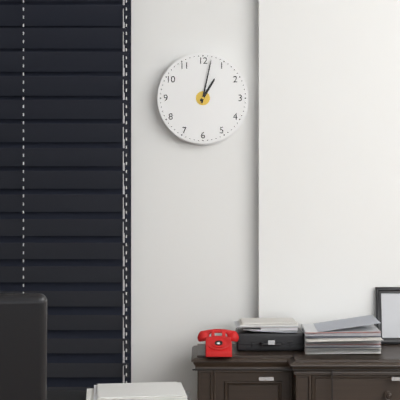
1:02
